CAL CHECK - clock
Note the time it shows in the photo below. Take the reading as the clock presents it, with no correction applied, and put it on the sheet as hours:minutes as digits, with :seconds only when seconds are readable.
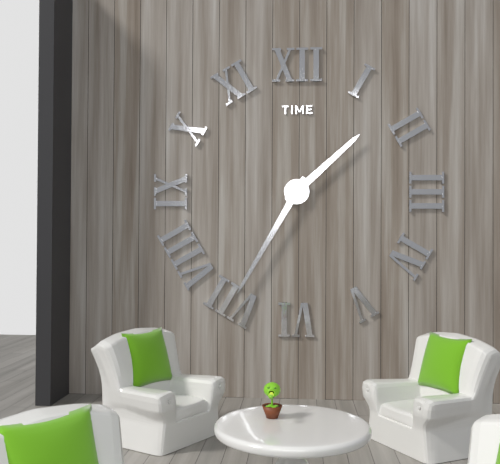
1:35
